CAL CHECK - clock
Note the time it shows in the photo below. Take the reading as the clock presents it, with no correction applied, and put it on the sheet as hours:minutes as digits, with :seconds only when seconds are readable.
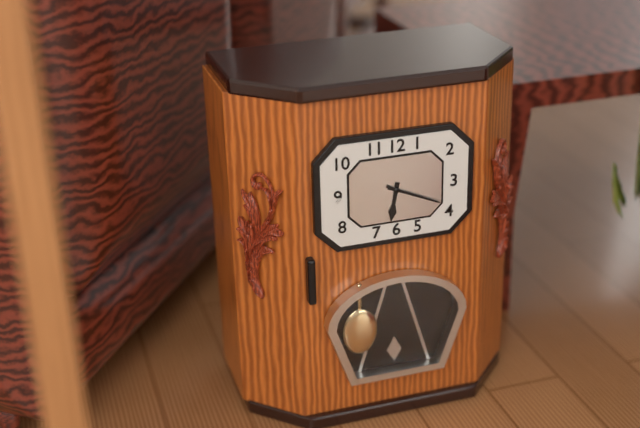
6:19
